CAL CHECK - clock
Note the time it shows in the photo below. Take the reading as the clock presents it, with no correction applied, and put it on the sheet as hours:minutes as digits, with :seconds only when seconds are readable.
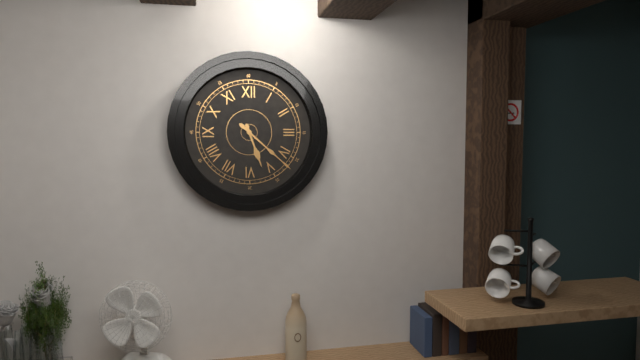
5:22
